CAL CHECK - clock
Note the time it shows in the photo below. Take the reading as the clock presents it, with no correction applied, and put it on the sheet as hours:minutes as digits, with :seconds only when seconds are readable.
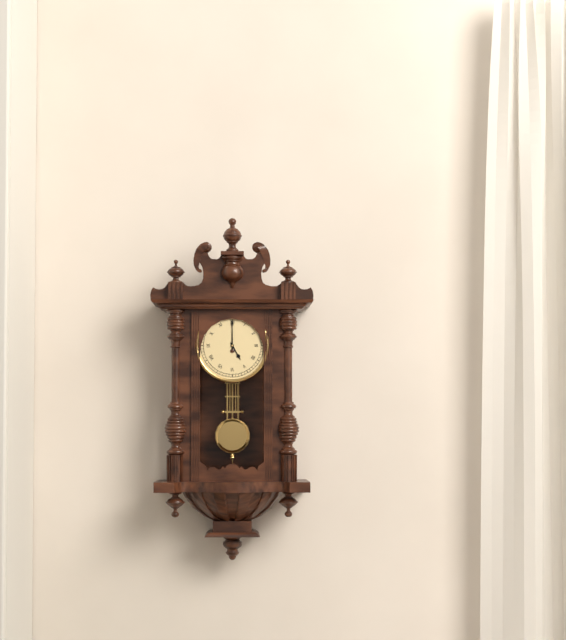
5:00
